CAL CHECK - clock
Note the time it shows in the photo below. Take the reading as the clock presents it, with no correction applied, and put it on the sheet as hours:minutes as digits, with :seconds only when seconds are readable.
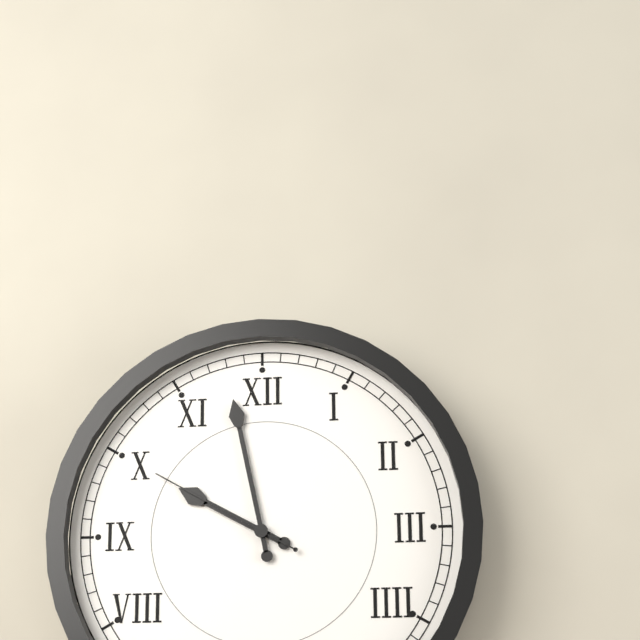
9:58:50
